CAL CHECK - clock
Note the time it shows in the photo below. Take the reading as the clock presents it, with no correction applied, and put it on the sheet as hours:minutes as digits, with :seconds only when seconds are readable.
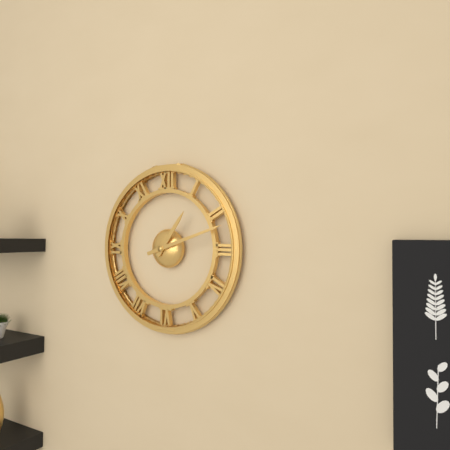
1:12
